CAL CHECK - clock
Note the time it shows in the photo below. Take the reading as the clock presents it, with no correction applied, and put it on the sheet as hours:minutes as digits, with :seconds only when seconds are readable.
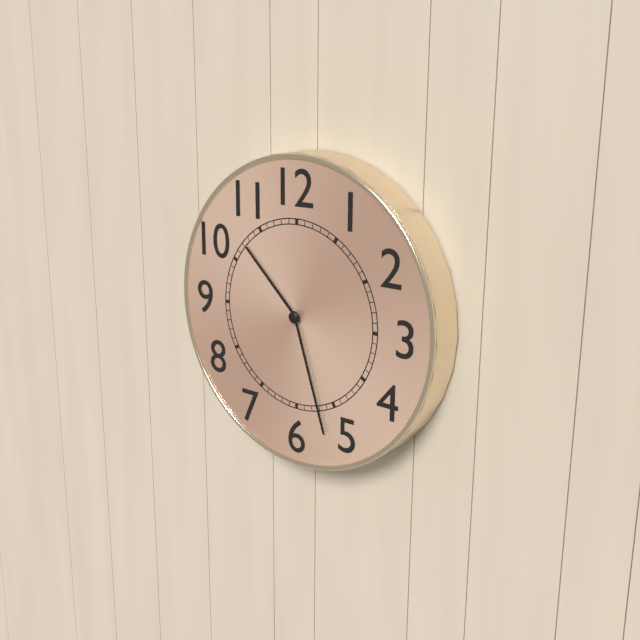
10:27
